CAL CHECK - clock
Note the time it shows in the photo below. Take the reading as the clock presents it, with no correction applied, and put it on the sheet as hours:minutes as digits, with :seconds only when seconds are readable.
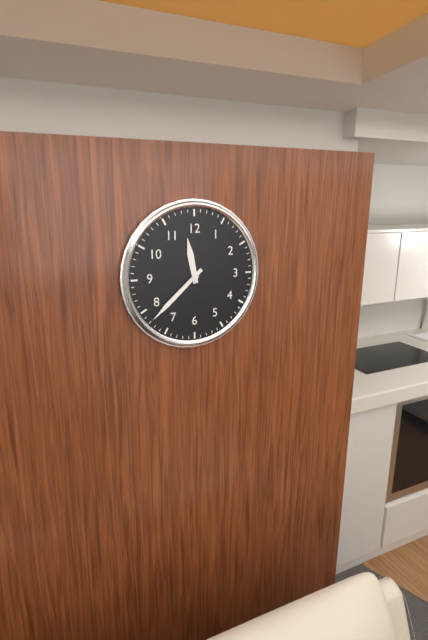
11:38
